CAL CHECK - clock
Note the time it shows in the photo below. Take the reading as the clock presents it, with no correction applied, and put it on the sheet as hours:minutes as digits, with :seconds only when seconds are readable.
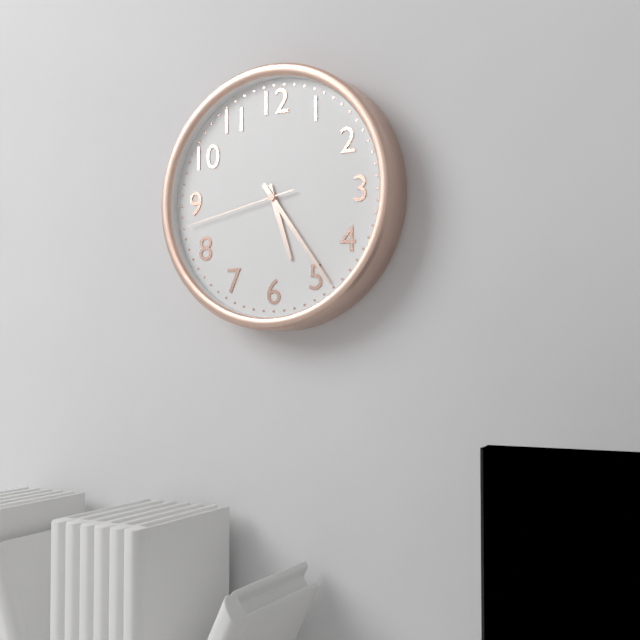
5:24:43
